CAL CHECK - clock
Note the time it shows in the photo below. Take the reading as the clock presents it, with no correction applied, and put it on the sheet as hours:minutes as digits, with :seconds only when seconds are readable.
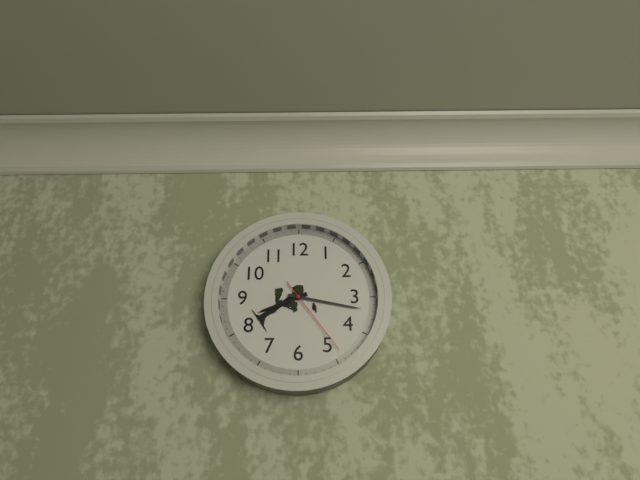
8:17:24
